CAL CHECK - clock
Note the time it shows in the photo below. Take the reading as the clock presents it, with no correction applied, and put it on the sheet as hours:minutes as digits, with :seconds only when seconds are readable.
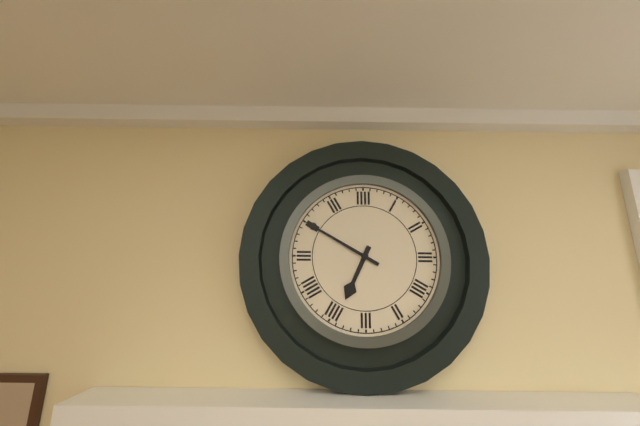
6:50
